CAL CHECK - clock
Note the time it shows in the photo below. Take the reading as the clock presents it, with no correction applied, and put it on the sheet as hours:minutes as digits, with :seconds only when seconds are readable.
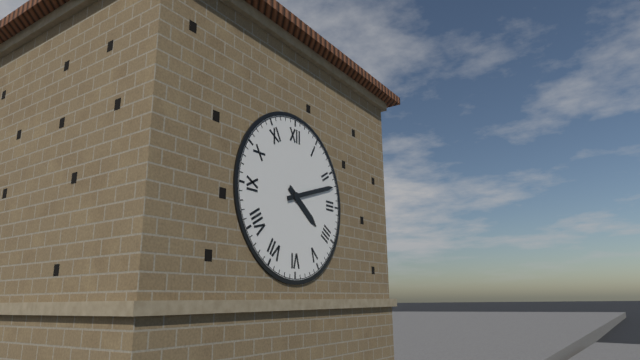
4:12
